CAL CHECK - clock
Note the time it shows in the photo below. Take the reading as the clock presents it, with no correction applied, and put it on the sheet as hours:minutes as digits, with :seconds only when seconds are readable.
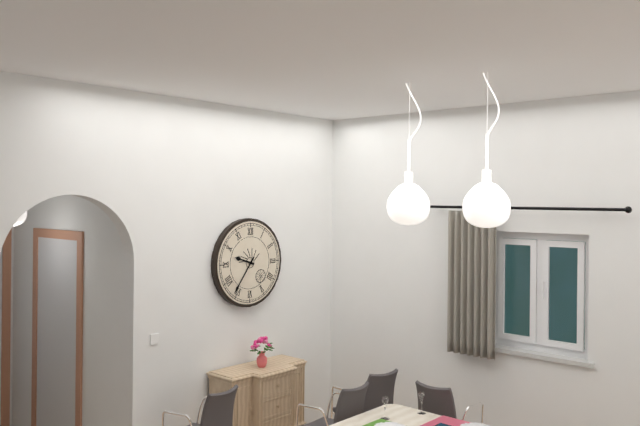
9:36
